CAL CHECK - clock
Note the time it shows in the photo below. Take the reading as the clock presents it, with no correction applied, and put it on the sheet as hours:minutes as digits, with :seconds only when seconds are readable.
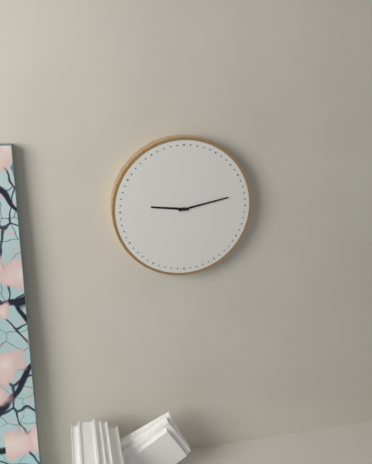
9:13
